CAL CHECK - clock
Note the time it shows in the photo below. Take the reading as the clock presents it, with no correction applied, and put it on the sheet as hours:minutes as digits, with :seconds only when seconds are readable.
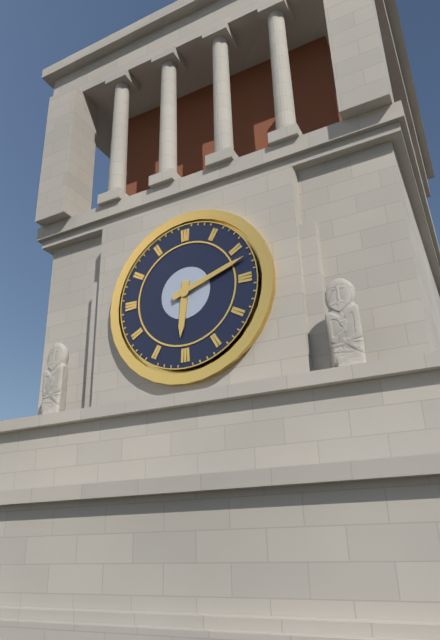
6:12
